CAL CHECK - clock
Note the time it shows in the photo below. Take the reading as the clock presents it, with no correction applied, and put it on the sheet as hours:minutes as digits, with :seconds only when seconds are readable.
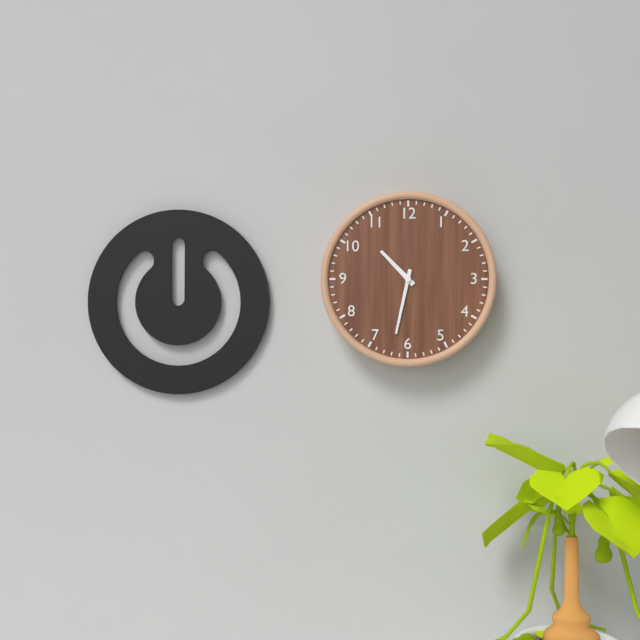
10:32
